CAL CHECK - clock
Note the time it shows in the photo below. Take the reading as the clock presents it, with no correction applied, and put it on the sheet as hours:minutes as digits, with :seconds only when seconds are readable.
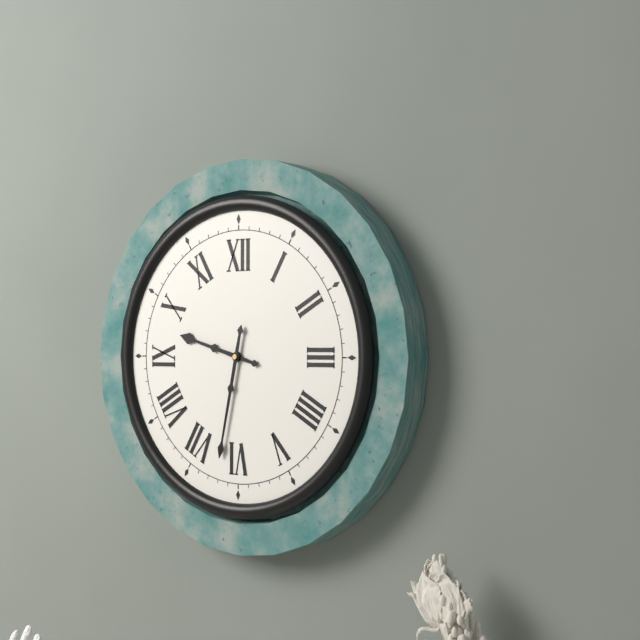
9:32
